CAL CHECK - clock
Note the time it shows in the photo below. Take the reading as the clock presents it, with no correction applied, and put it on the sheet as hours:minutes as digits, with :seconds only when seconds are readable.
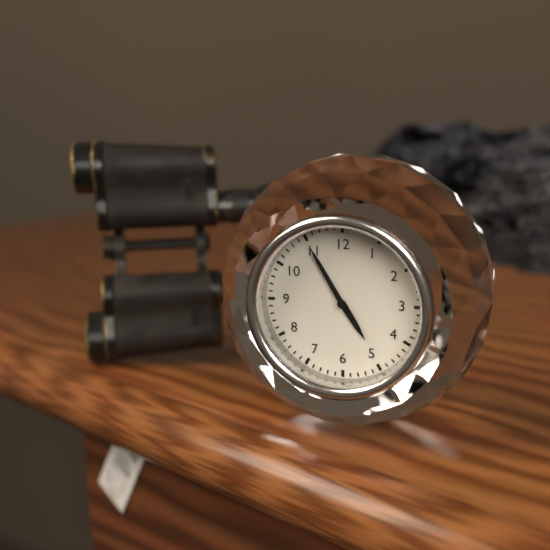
4:55
